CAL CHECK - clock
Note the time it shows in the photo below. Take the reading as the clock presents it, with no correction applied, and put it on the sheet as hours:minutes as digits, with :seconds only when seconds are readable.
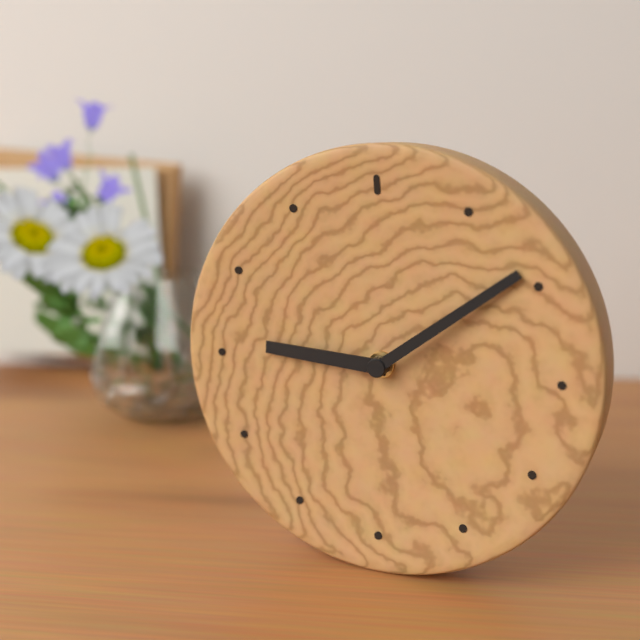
9:09
